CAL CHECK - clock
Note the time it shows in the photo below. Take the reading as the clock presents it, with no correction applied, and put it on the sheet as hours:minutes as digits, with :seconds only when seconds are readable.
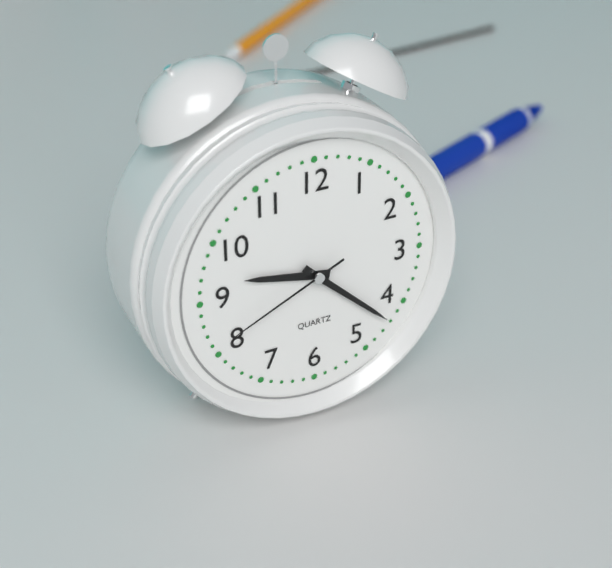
9:22:41
